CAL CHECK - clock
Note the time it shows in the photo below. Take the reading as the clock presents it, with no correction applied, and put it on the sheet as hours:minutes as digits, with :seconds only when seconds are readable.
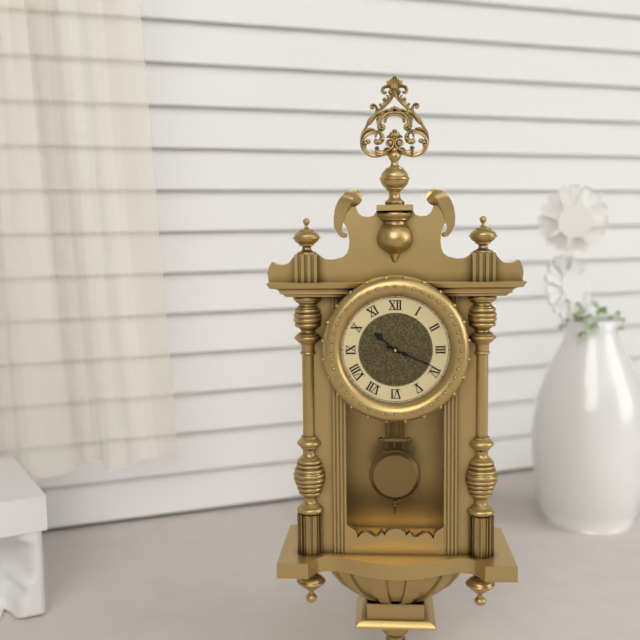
10:19
